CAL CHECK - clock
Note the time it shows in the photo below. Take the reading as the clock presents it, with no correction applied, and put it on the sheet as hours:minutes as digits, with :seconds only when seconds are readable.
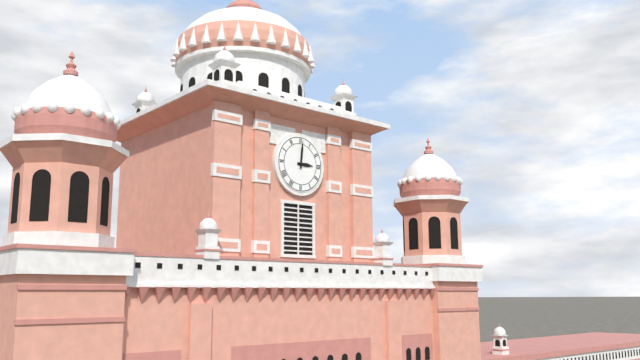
3:01
